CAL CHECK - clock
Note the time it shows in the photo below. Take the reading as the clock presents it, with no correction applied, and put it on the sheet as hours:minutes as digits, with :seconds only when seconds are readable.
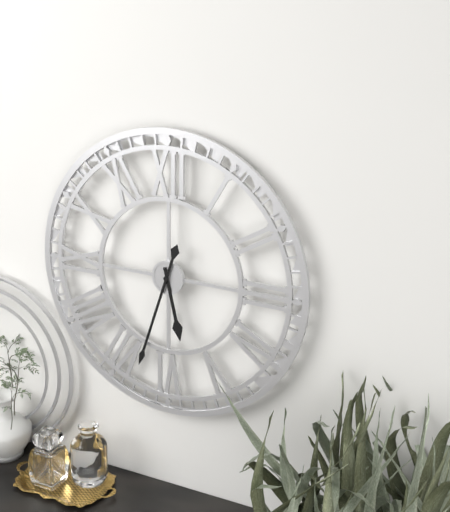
5:33
